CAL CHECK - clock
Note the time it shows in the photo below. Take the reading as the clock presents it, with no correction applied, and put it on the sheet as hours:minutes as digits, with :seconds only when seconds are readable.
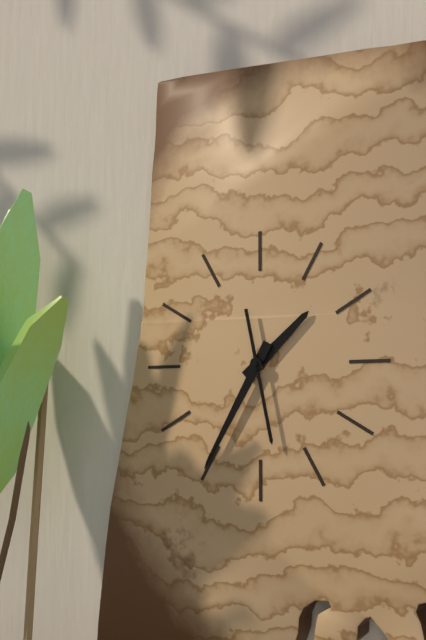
1:35:28
